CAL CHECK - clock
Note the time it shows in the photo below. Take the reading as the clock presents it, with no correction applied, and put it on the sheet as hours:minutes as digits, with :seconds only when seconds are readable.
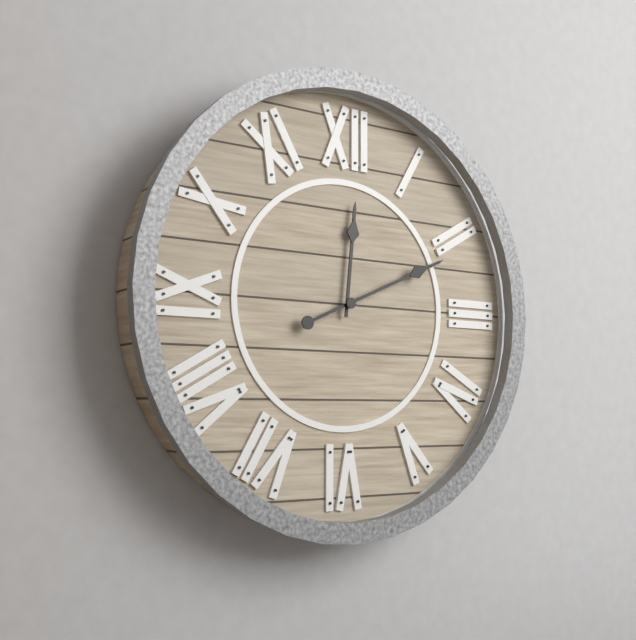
12:11
